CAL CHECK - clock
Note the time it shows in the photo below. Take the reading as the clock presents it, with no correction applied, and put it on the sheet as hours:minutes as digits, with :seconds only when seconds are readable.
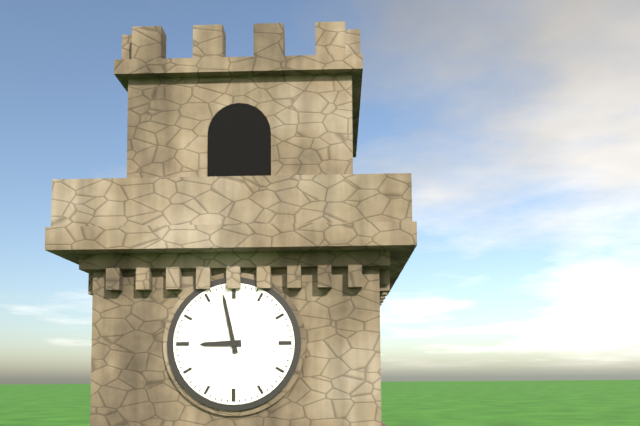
8:58
